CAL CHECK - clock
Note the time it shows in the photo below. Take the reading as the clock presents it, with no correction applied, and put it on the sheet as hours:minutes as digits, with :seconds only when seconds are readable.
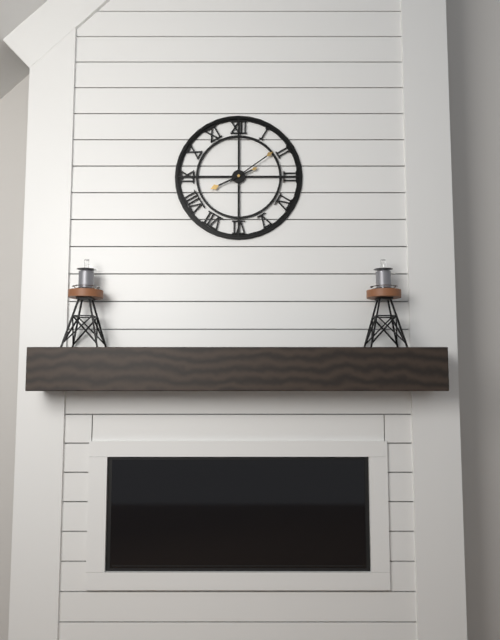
8:09
